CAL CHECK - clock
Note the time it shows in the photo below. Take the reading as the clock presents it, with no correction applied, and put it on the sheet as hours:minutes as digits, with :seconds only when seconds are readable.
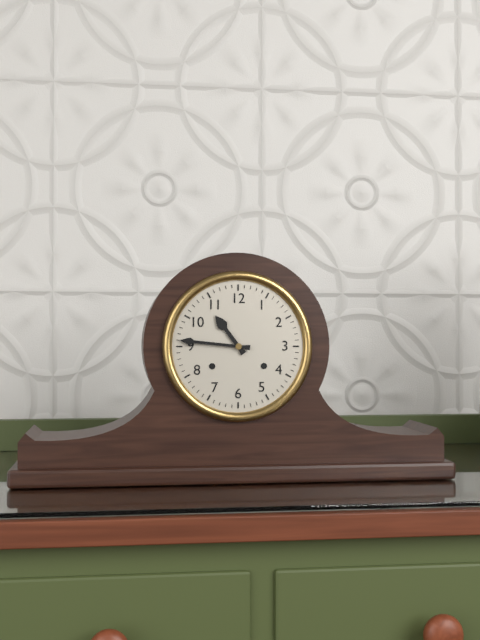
10:46
